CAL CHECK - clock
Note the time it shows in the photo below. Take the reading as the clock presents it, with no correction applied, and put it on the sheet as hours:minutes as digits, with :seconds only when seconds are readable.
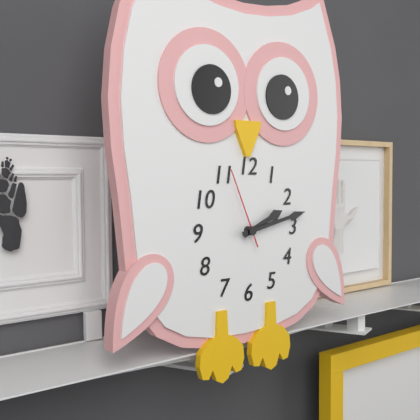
2:13:56
